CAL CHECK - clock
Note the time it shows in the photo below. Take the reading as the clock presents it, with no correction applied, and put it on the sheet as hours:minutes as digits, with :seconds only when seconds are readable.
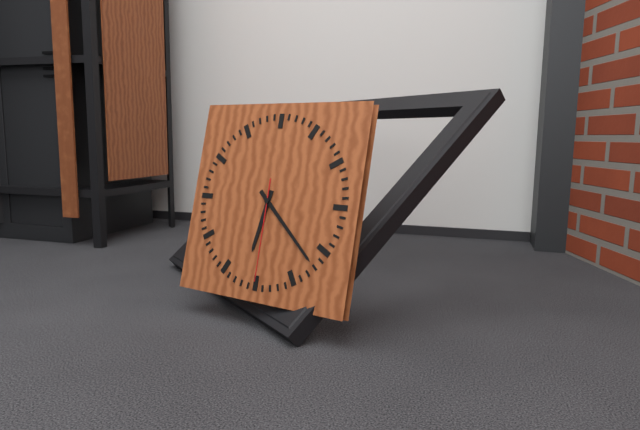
6:22:30
